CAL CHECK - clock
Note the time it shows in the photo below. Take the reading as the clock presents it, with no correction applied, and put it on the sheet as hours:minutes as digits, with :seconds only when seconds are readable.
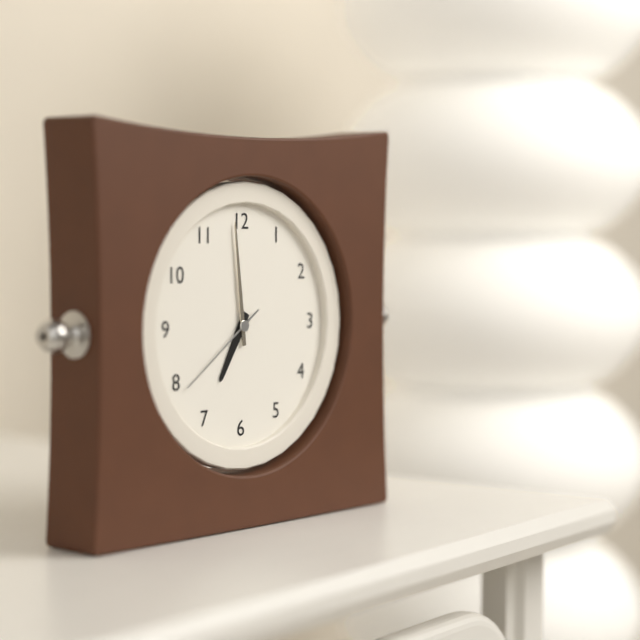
6:59:39
